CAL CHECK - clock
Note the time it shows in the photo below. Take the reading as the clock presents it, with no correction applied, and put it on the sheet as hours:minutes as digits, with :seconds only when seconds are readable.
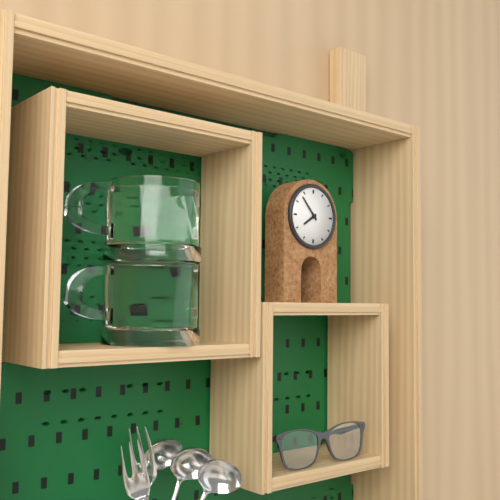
7:53
